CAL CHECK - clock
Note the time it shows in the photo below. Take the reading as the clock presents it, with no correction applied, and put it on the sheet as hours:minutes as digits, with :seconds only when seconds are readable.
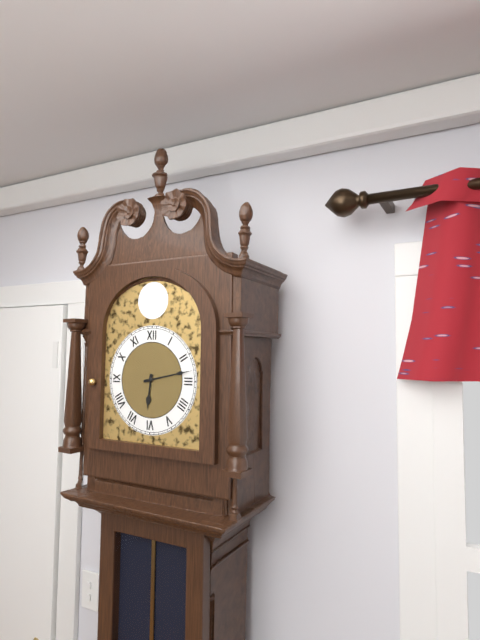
6:13
